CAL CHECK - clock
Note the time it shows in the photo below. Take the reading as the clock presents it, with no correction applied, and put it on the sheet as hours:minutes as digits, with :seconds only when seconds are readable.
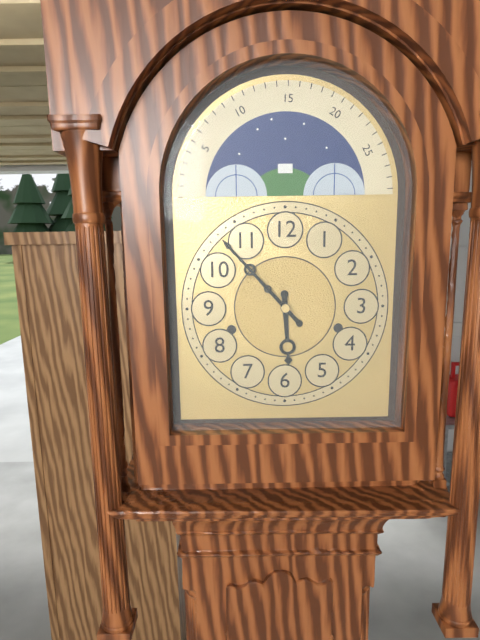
5:53
